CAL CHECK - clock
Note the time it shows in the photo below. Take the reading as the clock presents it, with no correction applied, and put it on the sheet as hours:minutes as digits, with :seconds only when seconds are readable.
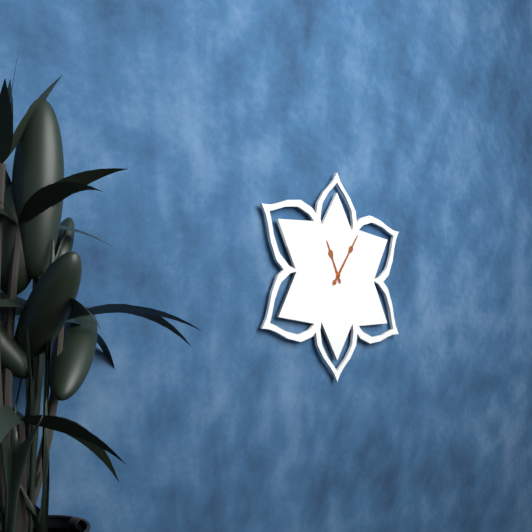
11:06
